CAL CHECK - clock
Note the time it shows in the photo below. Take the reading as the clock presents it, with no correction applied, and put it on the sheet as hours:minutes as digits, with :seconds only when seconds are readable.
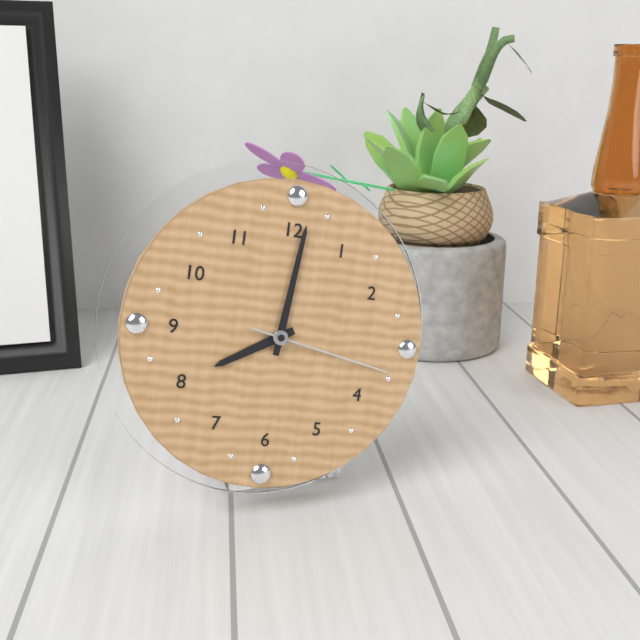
8:01:17
